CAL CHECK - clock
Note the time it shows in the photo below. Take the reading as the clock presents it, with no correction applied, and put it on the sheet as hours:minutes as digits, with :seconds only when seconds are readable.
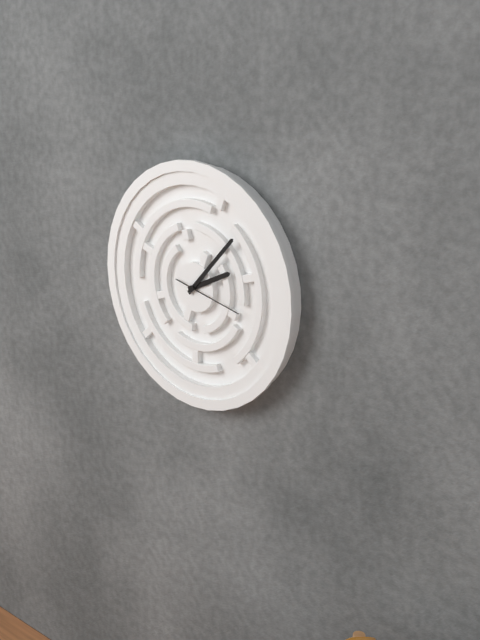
2:07:17
